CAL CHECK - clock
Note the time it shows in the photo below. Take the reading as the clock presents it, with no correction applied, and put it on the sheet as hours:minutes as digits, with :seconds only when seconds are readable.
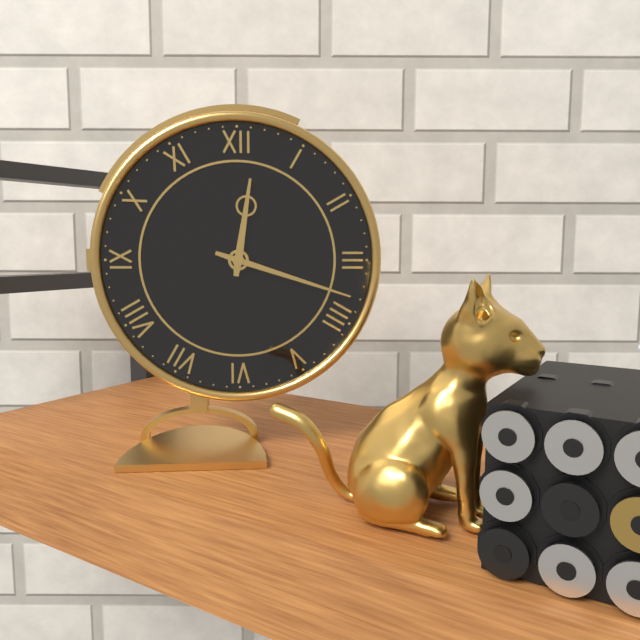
12:18
